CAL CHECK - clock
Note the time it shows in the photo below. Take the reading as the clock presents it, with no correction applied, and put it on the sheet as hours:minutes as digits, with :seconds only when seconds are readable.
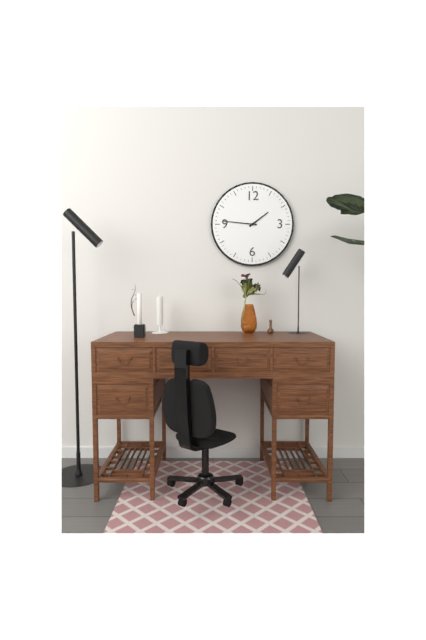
1:46
